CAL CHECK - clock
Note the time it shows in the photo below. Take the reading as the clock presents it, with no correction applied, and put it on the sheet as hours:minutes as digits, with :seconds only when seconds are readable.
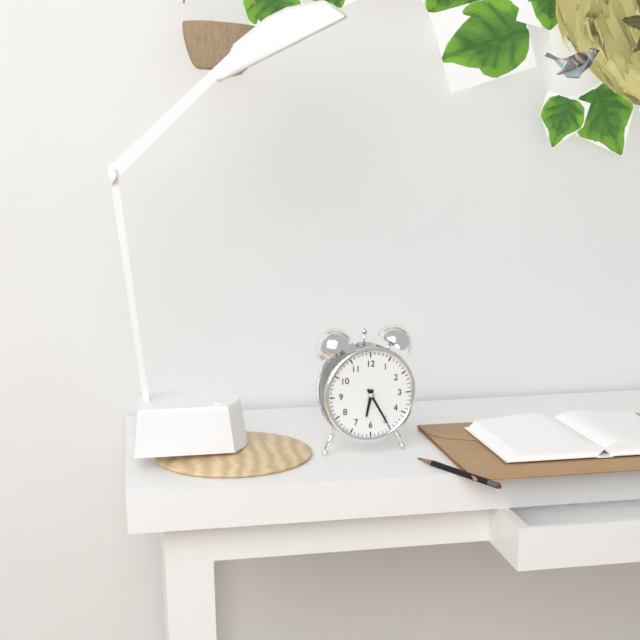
6:25
